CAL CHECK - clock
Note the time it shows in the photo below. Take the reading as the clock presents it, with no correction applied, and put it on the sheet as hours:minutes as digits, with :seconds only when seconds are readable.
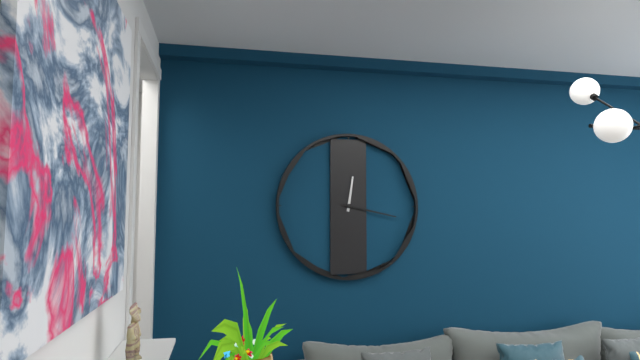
12:17
